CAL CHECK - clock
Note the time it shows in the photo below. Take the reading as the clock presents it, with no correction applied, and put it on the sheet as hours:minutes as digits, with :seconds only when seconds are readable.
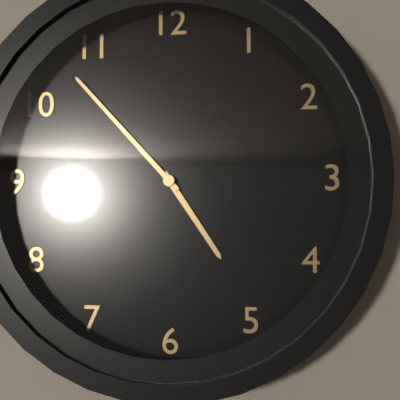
4:53
